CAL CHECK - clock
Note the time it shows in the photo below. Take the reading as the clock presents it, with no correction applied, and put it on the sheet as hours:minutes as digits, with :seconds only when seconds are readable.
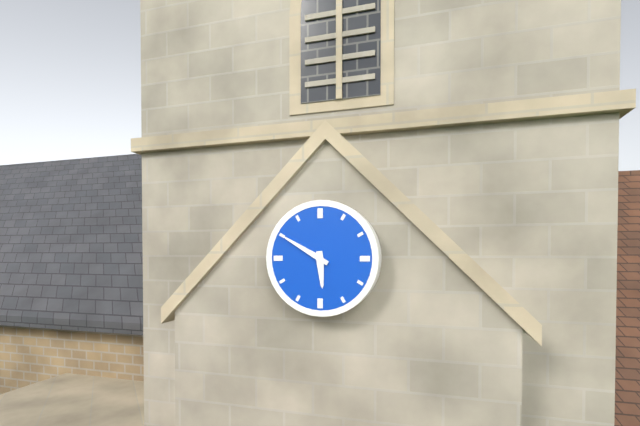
5:50
